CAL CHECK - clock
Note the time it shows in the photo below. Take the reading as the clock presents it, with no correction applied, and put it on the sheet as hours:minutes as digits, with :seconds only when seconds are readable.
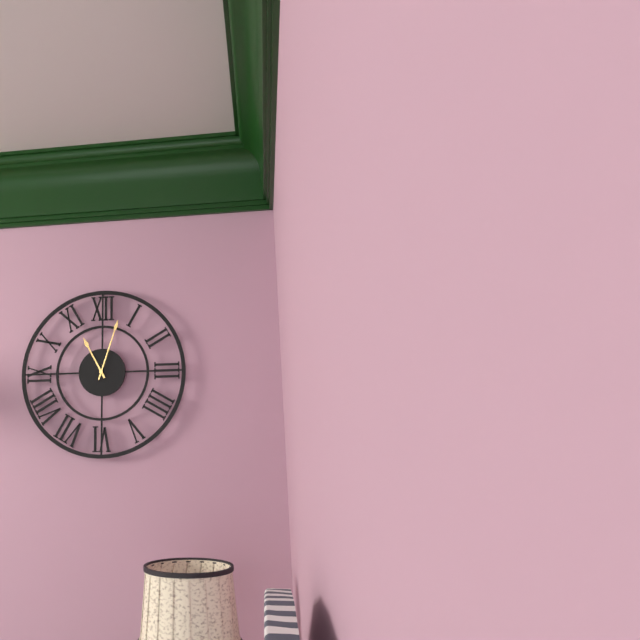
11:03
